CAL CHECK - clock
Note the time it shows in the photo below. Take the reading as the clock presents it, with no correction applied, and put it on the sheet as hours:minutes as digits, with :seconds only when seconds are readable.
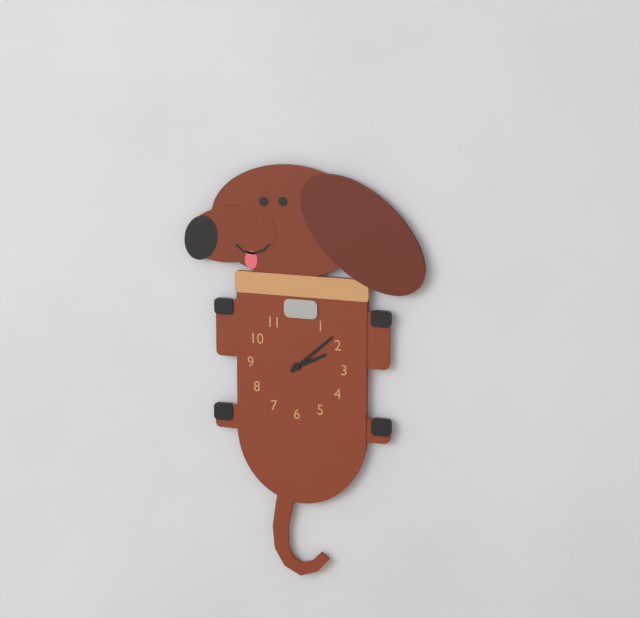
2:08
